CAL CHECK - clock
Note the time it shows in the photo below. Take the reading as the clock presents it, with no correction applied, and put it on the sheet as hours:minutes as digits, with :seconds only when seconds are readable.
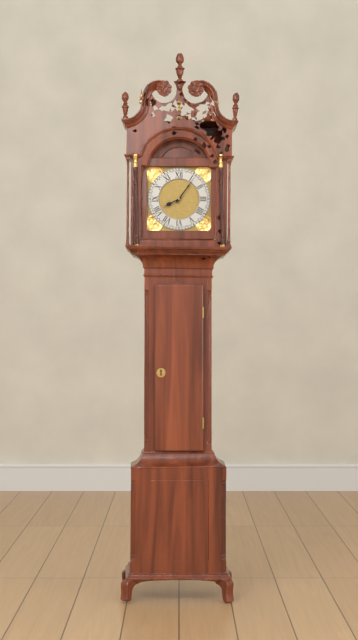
8:06
